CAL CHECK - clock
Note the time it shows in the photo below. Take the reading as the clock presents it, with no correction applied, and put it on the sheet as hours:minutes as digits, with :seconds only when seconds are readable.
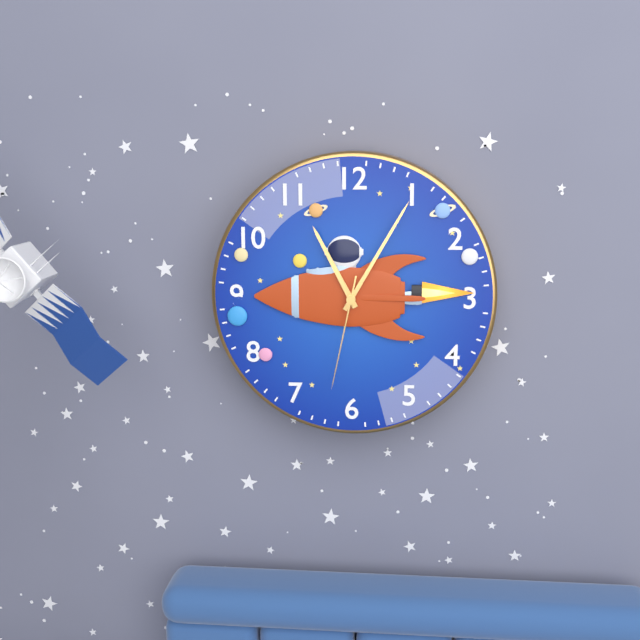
11:05:32
